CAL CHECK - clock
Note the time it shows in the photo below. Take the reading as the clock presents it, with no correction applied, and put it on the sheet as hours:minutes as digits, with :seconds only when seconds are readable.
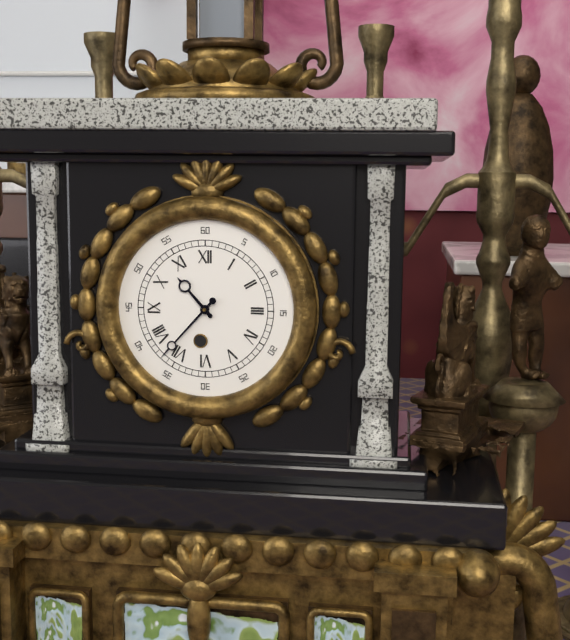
10:37
